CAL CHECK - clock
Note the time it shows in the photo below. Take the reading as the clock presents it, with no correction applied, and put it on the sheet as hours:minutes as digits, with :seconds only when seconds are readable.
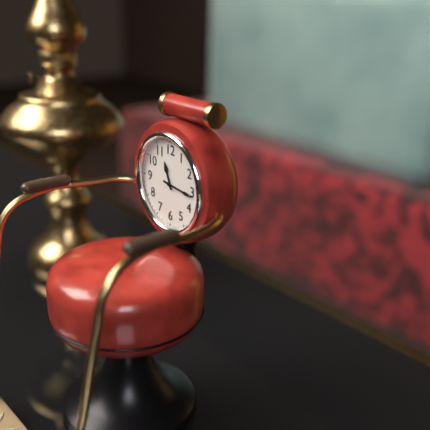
11:16
